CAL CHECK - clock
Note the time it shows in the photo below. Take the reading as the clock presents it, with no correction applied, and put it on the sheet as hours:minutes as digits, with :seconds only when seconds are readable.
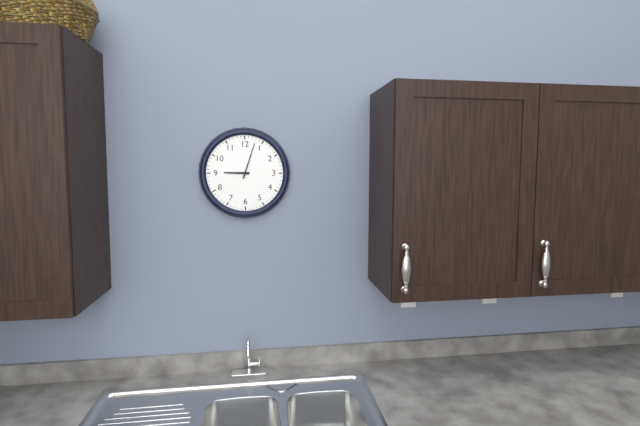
9:03
